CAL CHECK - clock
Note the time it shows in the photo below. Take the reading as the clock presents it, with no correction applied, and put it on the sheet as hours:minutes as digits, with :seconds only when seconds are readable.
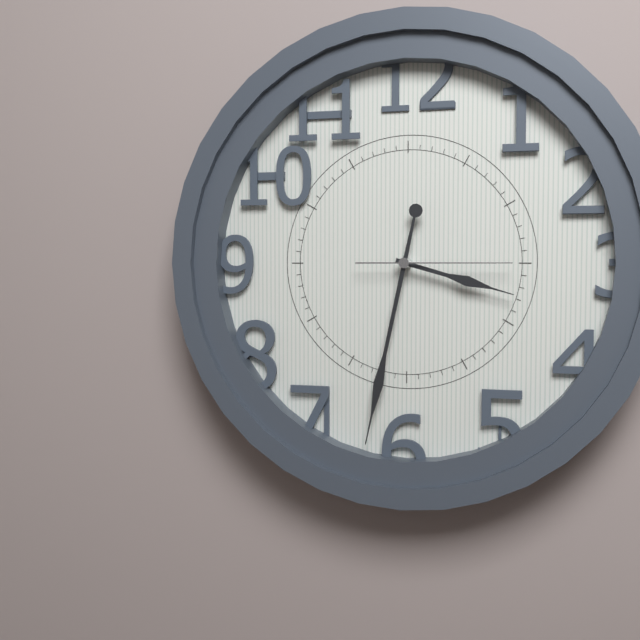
3:32:15
